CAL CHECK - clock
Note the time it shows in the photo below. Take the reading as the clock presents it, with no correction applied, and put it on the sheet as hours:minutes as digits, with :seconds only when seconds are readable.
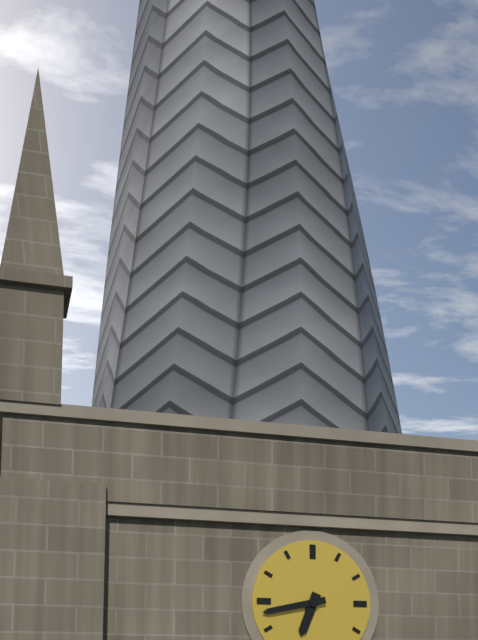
6:43
